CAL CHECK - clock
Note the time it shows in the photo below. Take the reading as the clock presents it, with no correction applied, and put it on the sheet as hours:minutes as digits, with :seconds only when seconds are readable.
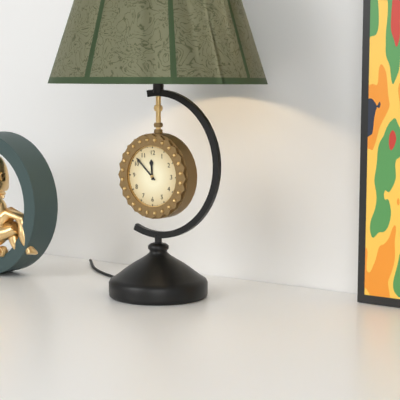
11:52
